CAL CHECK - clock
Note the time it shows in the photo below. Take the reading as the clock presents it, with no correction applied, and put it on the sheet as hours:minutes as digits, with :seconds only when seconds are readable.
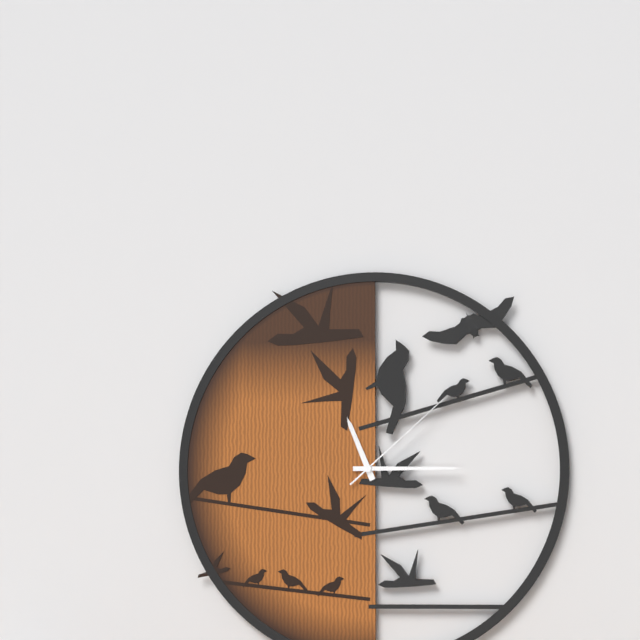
11:15:08
